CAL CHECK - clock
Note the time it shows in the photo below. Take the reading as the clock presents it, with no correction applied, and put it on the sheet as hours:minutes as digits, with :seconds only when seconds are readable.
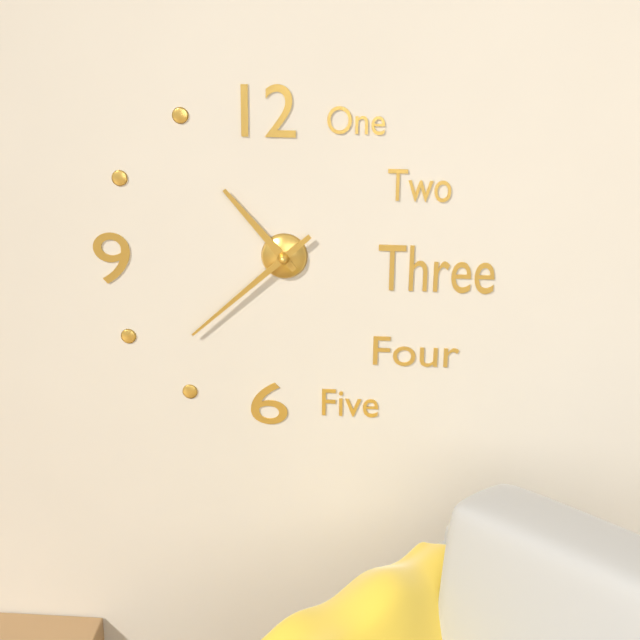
10:38
